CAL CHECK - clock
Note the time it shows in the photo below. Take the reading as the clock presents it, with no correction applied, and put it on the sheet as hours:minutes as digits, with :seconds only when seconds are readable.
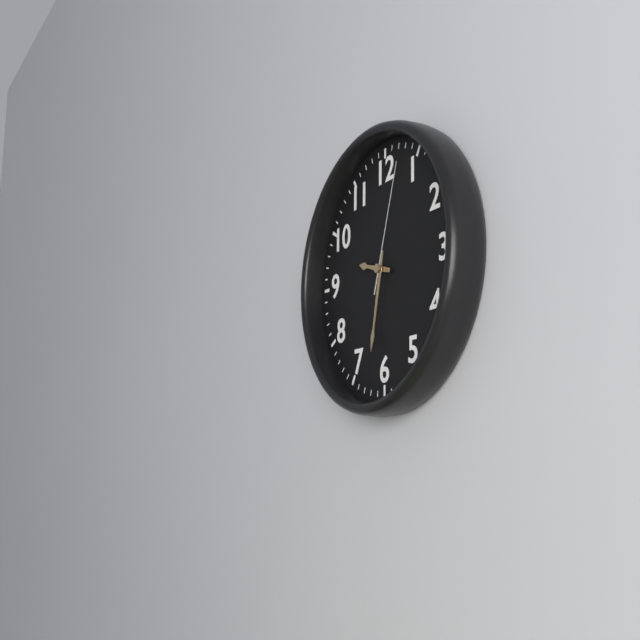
9:32:03
